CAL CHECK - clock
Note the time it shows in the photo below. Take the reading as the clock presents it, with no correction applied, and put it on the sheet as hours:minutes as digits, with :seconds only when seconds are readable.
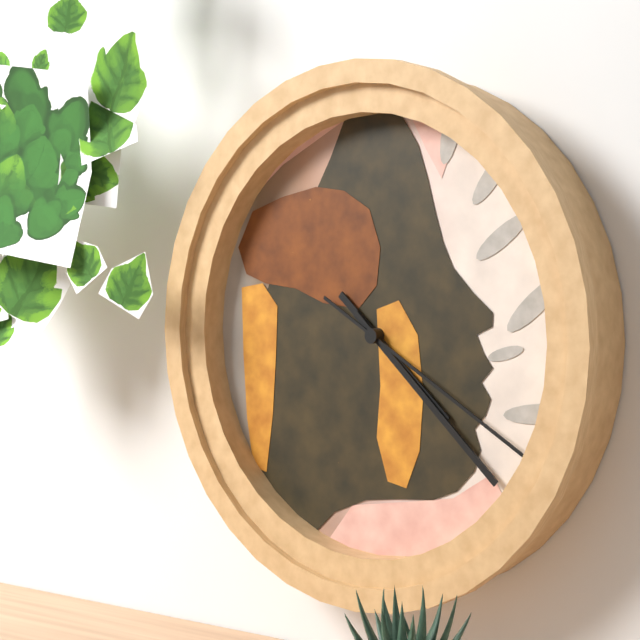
4:22:20
